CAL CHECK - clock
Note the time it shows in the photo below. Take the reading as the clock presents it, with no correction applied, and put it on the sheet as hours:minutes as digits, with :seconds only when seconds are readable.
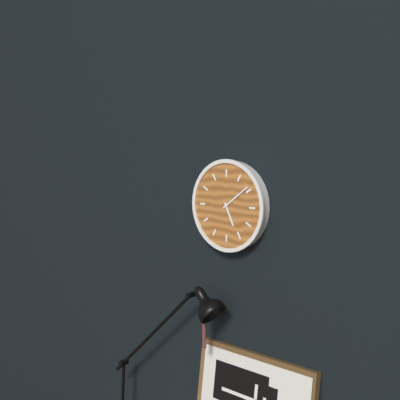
5:09
